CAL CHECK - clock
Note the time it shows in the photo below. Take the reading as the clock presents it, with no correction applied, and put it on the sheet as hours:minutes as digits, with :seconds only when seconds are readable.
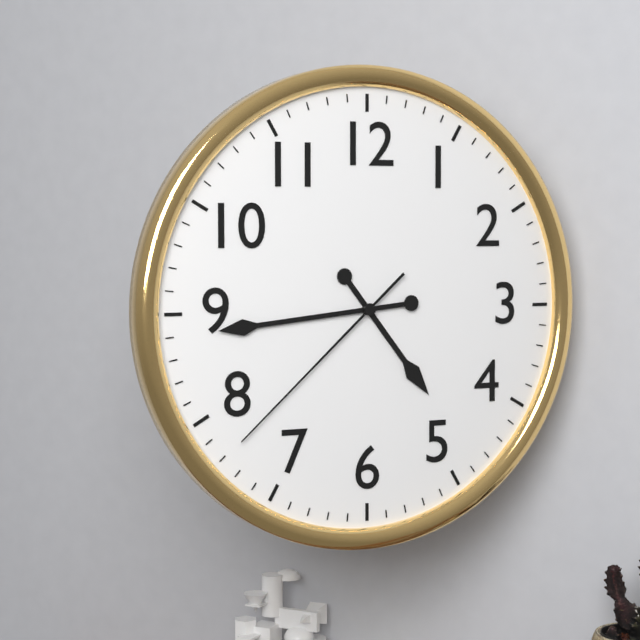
4:44:38
